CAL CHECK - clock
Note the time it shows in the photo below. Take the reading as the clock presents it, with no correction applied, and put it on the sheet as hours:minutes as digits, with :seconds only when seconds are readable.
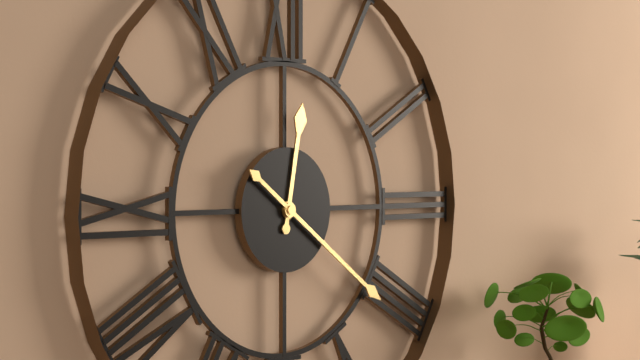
12:21
